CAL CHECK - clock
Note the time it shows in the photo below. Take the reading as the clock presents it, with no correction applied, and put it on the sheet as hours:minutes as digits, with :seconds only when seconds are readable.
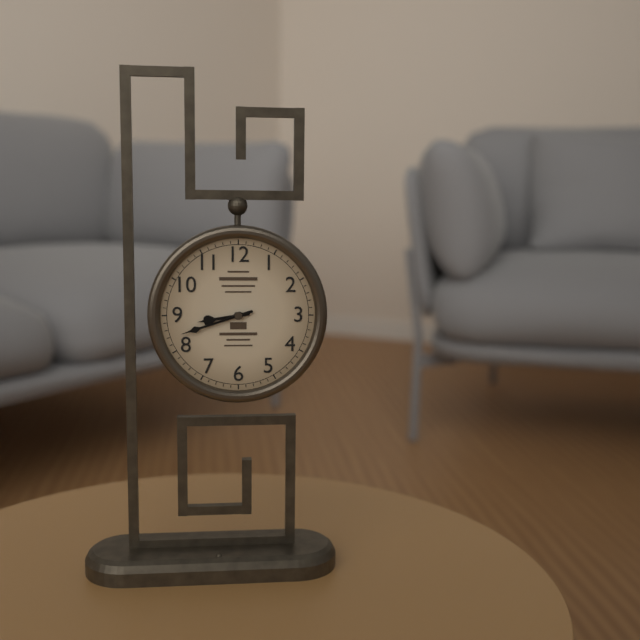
8:42
